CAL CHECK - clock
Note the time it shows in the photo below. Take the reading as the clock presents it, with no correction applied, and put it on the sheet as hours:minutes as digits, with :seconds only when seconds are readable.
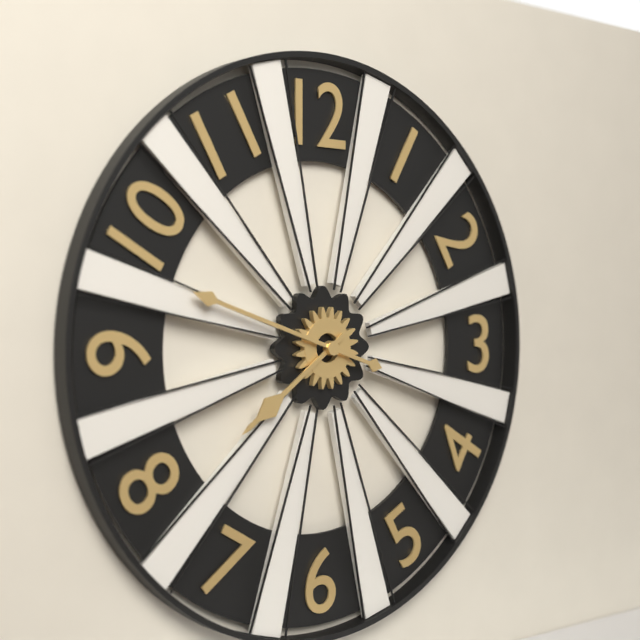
7:48
